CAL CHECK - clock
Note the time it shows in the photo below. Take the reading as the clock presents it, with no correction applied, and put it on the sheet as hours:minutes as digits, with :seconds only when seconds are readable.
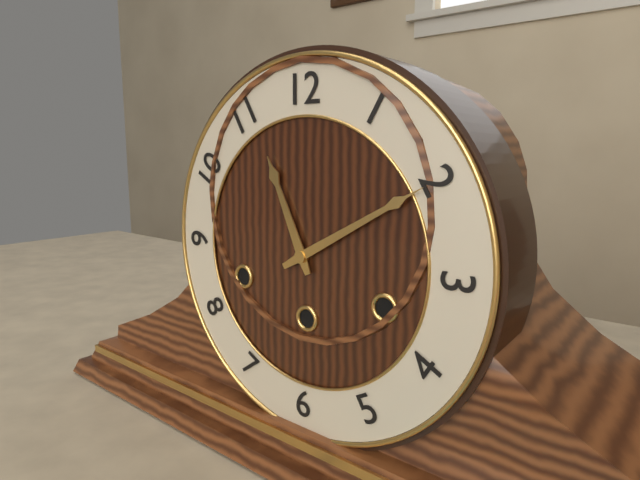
11:10
